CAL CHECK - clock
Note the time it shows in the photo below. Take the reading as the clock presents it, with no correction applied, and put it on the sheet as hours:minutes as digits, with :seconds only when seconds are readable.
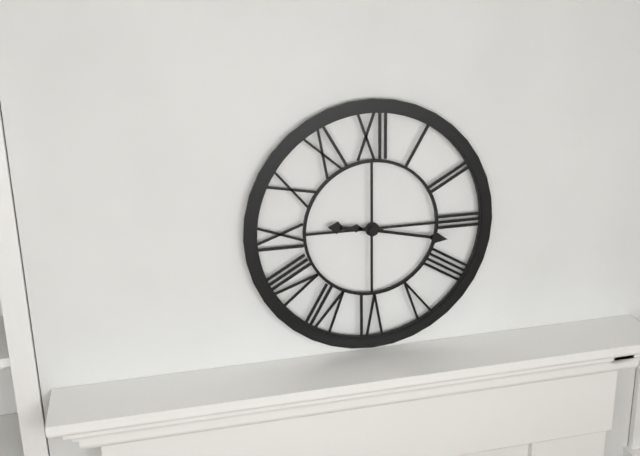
9:17
